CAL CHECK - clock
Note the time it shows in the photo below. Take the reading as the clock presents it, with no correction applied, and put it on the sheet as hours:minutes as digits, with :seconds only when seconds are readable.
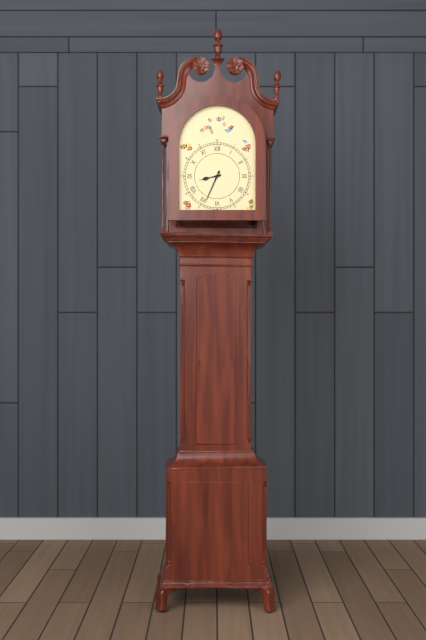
8:34
